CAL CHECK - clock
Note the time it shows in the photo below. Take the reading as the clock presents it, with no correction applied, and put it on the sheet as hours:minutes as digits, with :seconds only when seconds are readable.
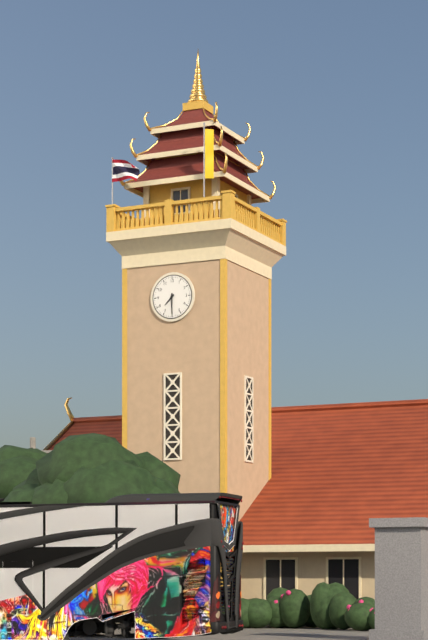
7:30
